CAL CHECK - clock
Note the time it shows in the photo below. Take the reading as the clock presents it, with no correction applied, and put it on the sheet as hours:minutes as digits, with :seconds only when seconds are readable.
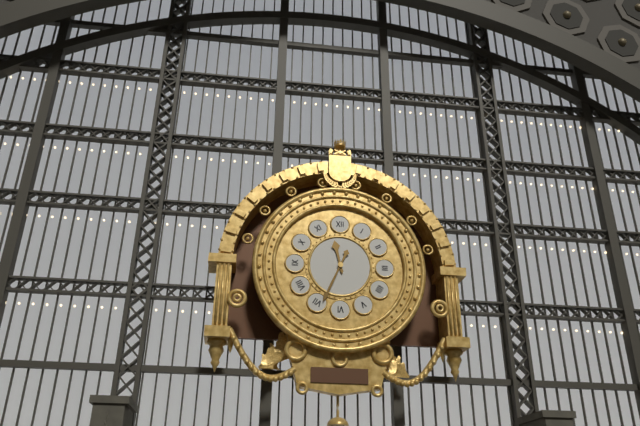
11:34
